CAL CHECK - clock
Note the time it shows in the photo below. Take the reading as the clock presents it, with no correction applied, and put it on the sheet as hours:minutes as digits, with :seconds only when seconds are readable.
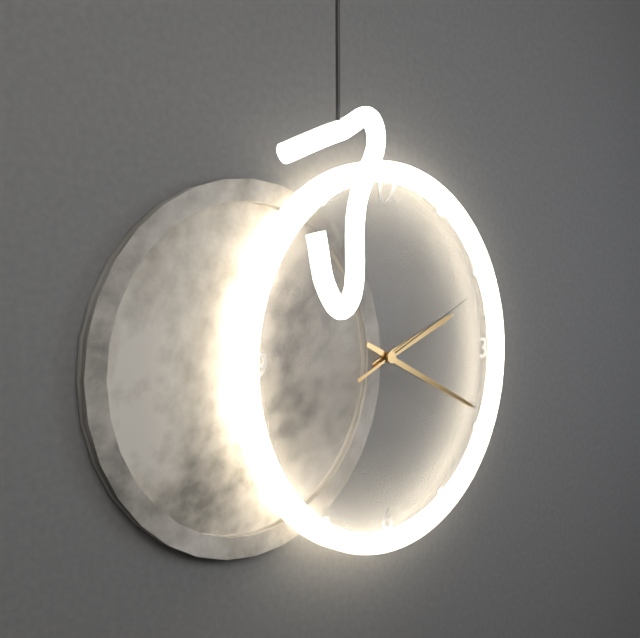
2:19:11
